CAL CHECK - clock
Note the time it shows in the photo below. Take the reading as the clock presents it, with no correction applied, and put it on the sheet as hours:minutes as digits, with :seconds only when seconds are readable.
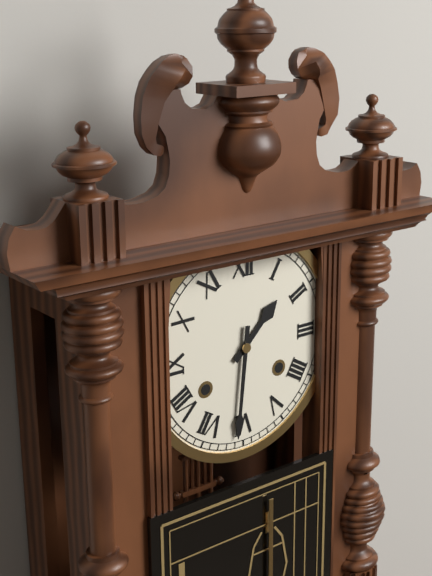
1:31
